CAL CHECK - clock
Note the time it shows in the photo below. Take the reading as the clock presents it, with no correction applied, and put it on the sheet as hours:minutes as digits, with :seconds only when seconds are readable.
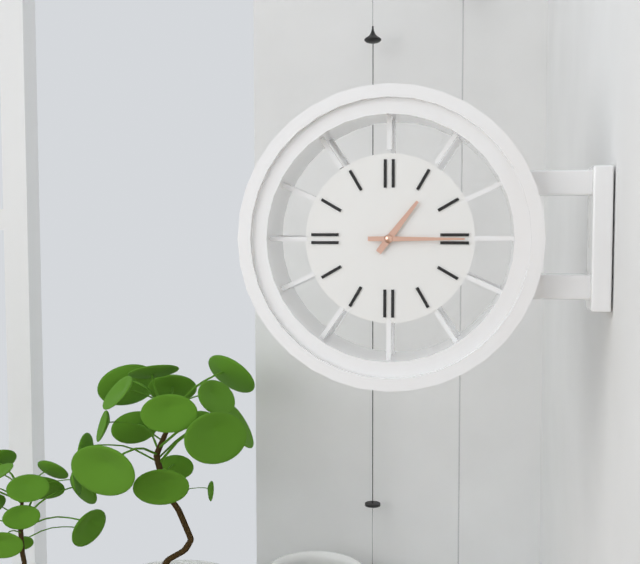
1:15
